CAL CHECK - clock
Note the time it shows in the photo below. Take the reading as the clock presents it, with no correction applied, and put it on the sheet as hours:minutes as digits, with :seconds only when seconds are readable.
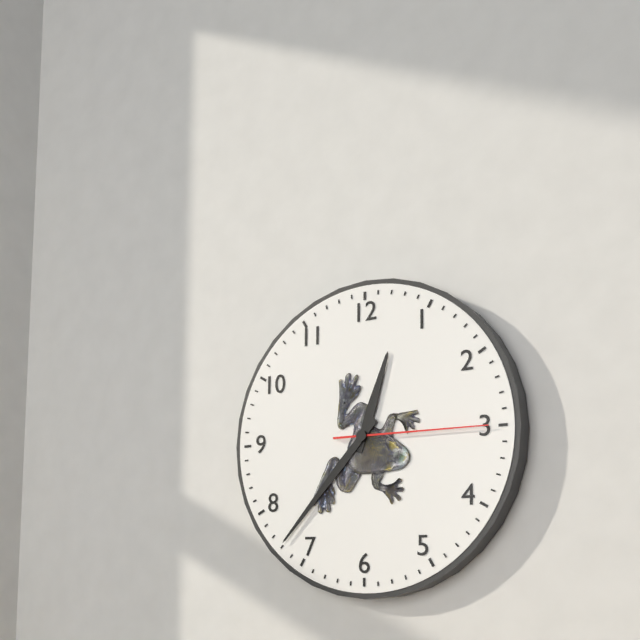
12:37:15
